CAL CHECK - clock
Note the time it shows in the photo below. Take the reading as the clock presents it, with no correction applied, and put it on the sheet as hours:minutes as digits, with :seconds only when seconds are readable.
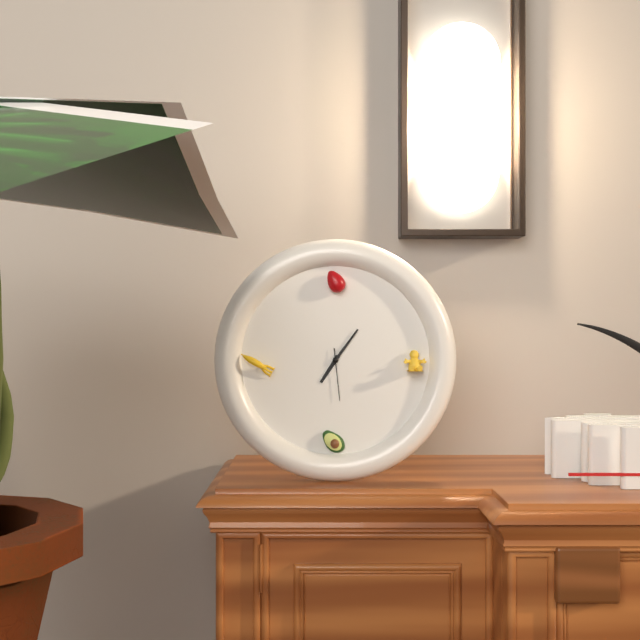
7:06:29
